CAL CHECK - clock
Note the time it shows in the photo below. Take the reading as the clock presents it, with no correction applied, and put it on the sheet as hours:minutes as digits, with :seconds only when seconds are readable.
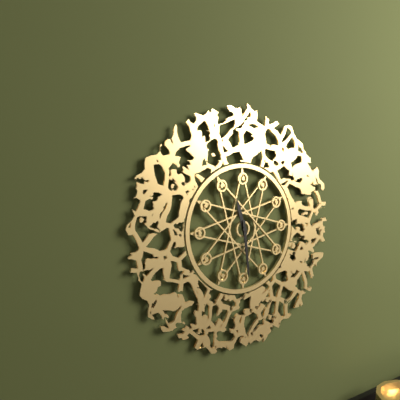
11:29
